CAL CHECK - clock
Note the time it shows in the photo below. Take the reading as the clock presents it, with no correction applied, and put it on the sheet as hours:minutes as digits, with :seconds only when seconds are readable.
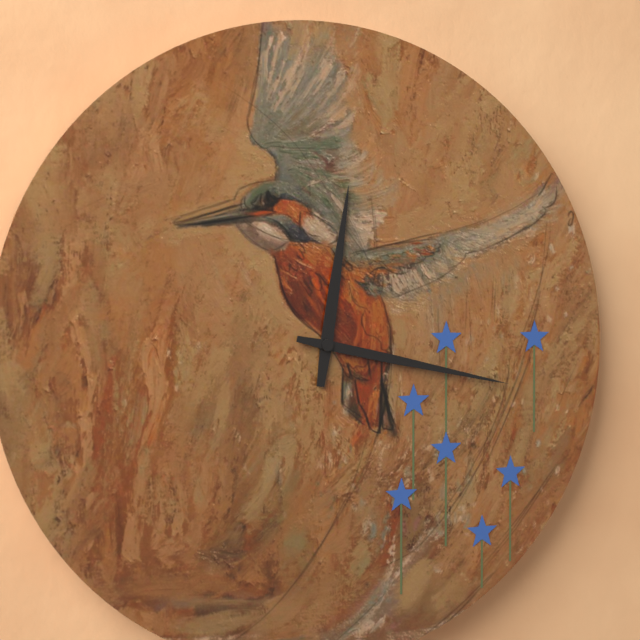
12:17
